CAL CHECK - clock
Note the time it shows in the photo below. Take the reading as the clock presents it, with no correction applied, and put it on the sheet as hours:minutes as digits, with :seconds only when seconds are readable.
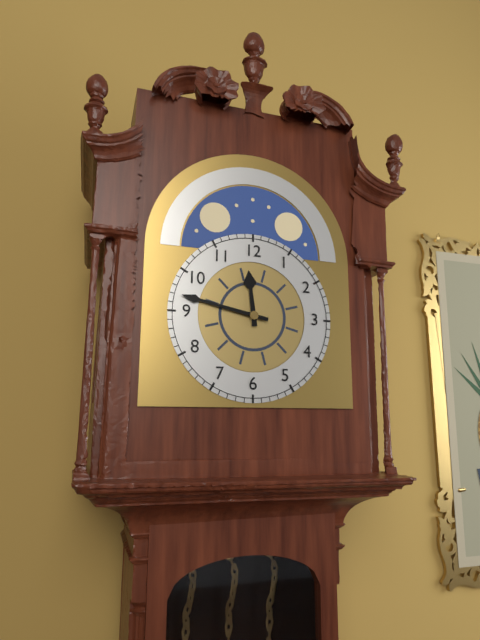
11:47
